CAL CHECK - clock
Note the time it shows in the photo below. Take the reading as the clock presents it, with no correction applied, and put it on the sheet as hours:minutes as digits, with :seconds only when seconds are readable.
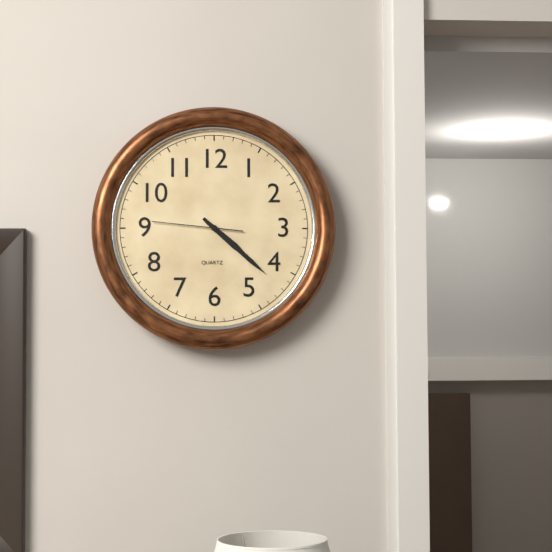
4:22:46
